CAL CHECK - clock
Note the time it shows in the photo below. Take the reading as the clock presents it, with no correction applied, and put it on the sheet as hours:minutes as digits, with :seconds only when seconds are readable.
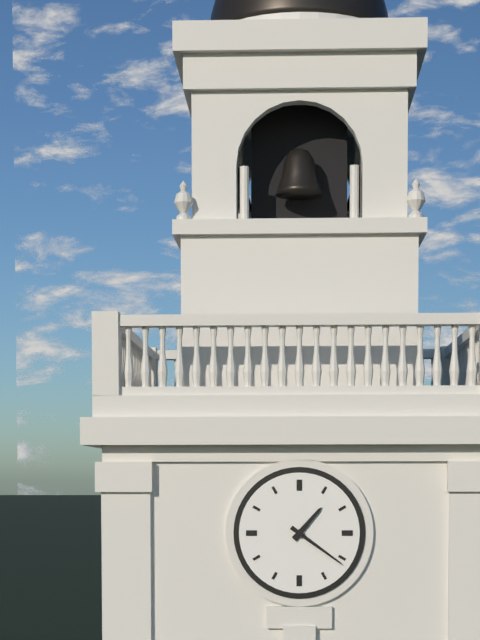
1:21
